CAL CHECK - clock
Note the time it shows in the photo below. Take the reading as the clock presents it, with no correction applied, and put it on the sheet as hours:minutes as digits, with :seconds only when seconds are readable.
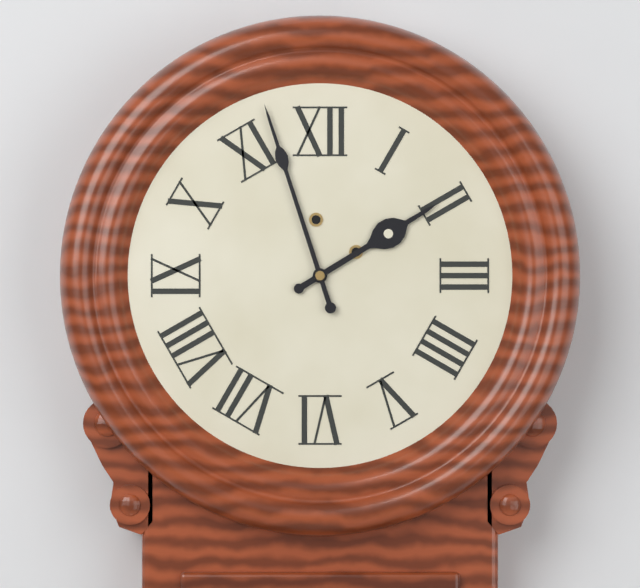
1:57
